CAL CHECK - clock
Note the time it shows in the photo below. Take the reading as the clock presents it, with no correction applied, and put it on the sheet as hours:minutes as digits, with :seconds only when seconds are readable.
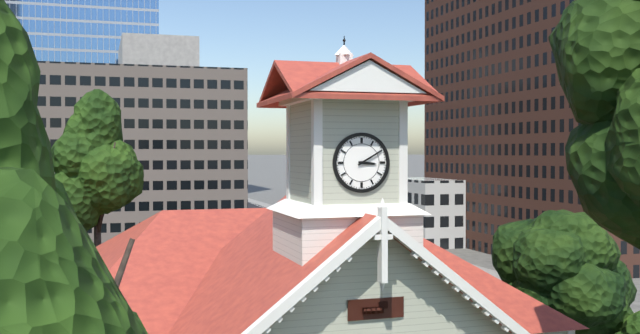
3:10
